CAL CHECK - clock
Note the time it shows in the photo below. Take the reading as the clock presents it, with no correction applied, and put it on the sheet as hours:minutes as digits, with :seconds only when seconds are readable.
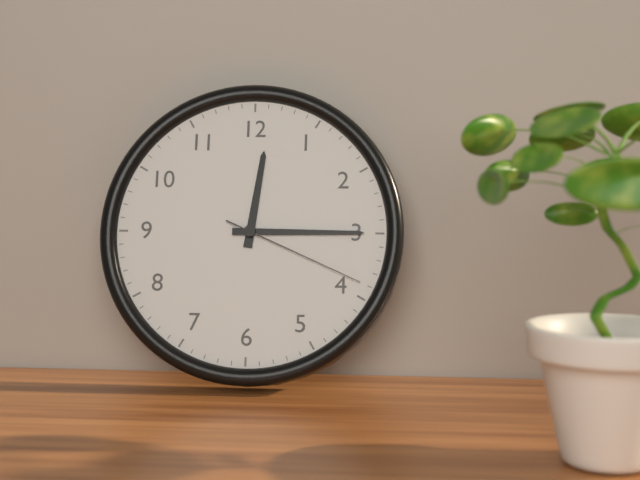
12:15:19
